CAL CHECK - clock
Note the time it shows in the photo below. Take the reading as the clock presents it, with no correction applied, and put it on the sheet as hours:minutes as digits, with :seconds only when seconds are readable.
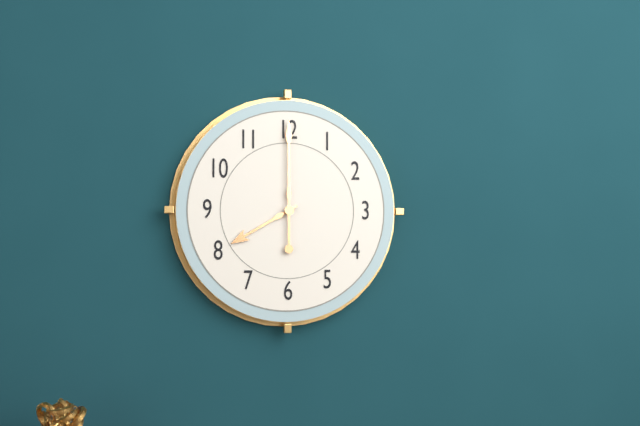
8:00
